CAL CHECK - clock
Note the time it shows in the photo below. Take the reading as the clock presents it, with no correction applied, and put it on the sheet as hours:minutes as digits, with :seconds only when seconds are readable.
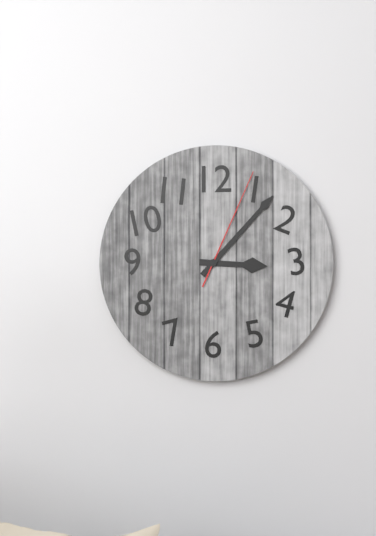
3:07:04
